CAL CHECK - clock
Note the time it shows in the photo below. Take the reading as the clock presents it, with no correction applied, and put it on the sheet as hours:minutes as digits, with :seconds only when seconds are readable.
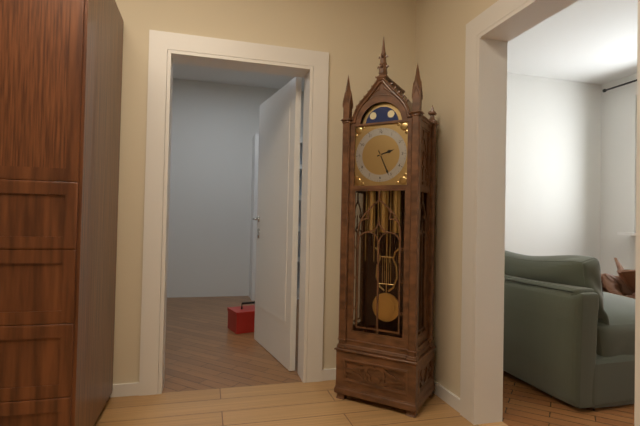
2:26
